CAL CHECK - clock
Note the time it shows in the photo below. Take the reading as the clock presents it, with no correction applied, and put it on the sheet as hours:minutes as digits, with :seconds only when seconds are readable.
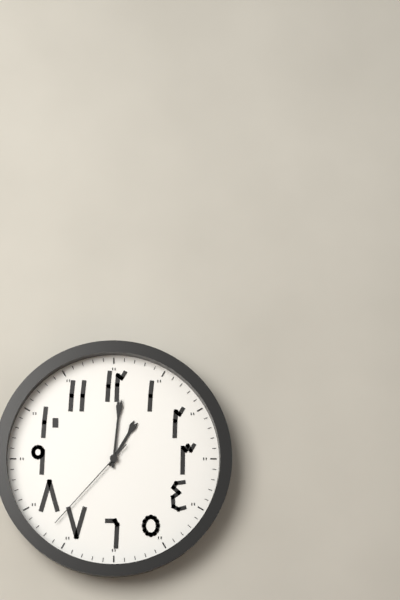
1:01:37
